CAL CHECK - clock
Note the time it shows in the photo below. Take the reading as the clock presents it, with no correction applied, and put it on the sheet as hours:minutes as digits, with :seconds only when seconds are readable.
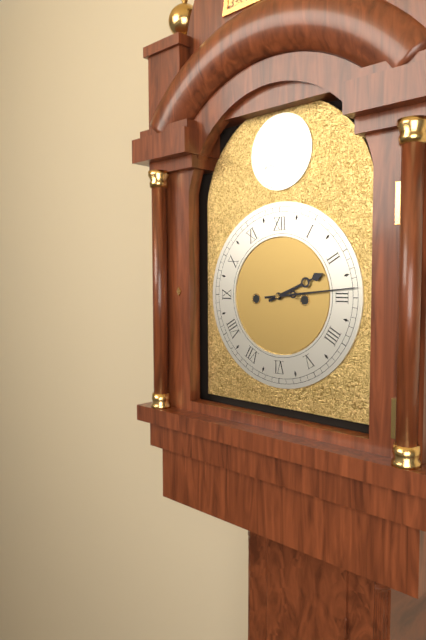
2:14
